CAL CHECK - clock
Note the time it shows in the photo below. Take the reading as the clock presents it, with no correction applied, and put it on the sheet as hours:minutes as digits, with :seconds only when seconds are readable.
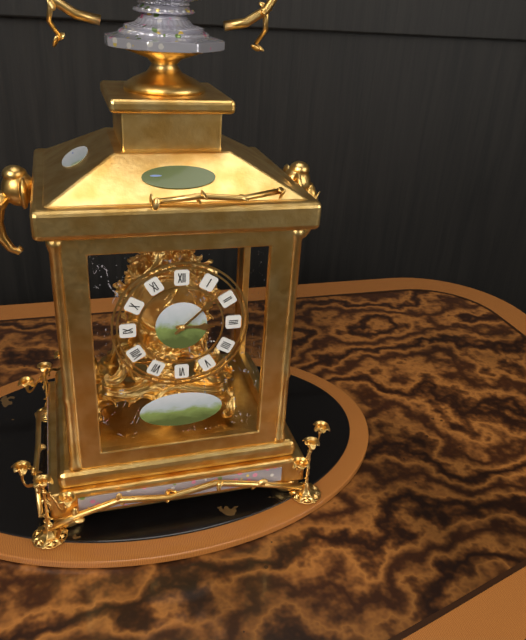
3:08
